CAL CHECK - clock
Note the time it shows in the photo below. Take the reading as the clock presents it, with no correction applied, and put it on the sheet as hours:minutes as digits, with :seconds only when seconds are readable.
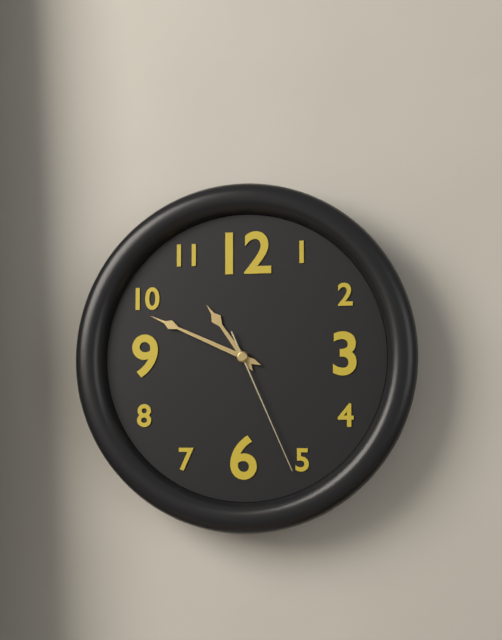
10:49:26
